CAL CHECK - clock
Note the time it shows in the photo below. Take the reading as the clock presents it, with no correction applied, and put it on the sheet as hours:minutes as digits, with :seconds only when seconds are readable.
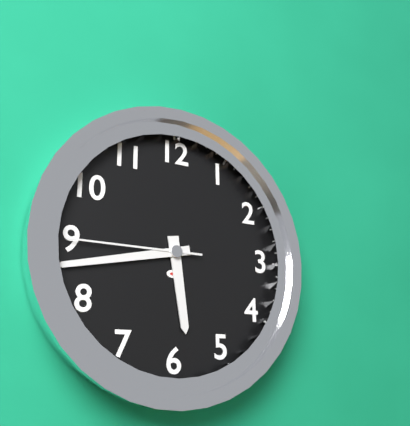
5:43:45
